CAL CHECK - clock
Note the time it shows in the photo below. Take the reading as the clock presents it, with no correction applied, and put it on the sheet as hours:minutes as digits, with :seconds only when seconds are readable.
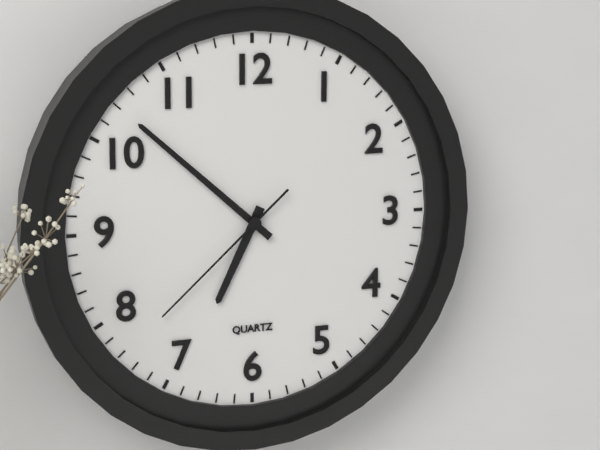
6:52:38
